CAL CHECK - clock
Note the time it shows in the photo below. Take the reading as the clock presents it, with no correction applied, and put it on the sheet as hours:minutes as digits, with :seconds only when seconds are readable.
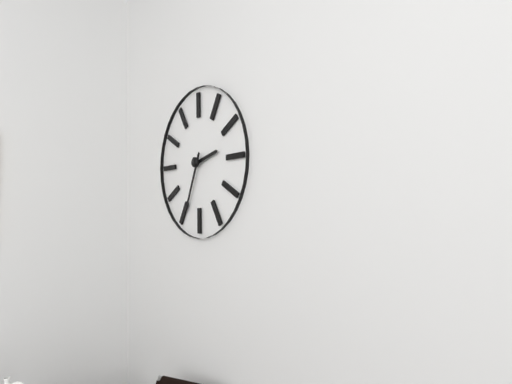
2:34
